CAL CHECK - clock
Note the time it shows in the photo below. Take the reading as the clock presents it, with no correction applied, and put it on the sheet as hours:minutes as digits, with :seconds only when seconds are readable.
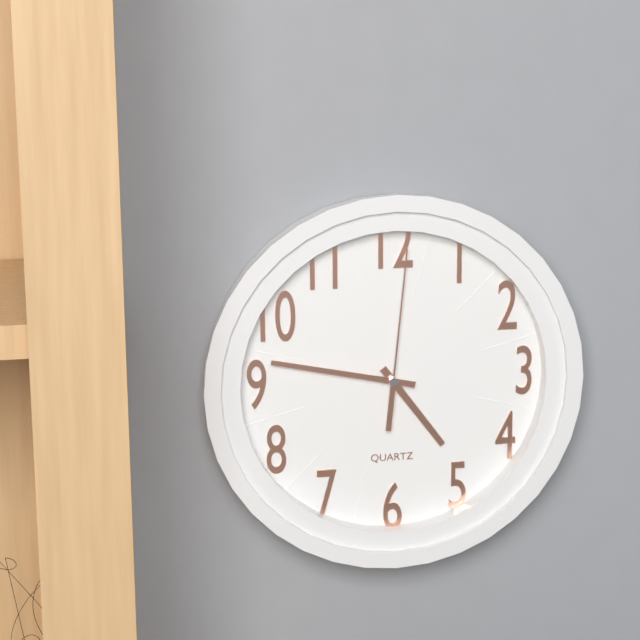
4:47:01
